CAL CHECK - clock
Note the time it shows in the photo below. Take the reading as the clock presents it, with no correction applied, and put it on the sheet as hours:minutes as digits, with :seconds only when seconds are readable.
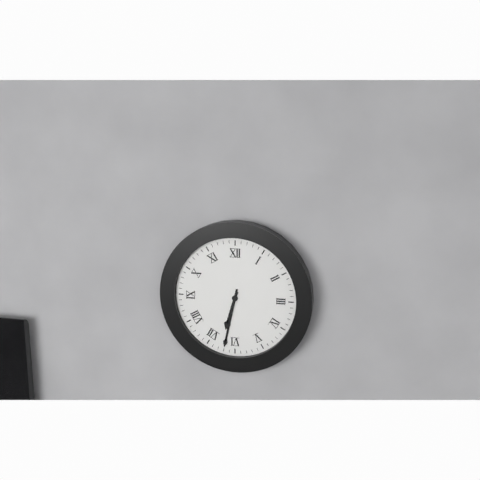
6:32
